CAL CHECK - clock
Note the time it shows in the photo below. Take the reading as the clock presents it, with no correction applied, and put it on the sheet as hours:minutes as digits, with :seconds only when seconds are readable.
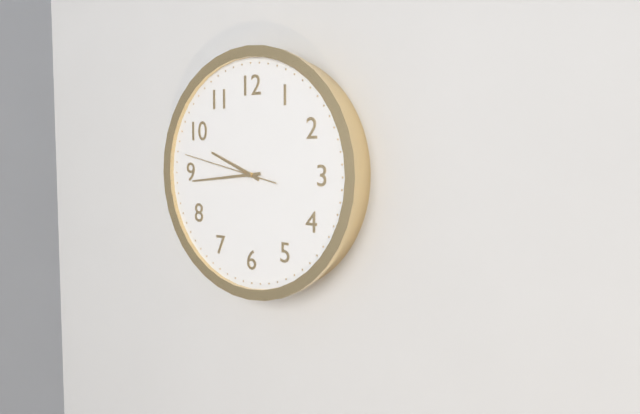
9:44:47
